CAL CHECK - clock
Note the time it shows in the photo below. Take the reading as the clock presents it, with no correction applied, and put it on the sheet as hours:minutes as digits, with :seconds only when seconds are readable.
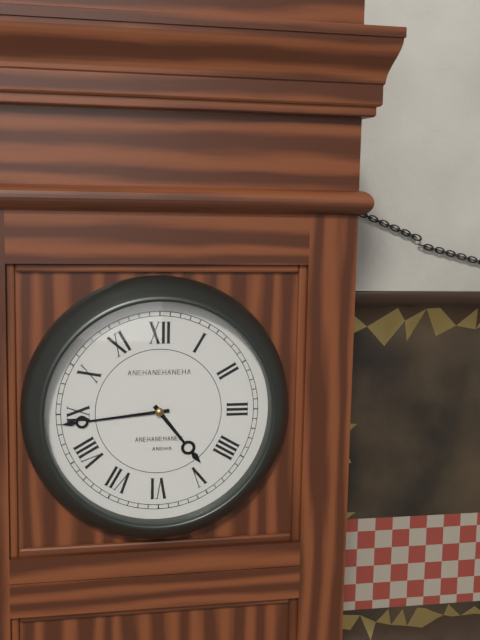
4:44
